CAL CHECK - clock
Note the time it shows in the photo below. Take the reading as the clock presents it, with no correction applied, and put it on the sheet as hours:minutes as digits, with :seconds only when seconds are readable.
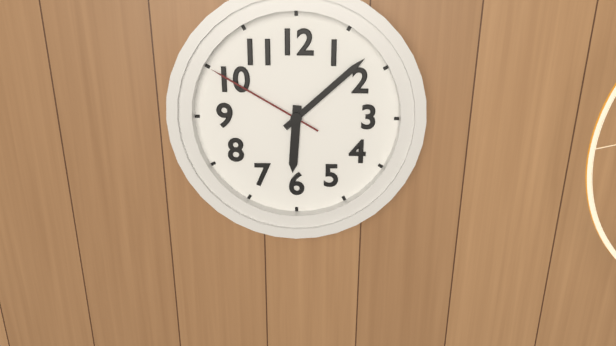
6:08:50
